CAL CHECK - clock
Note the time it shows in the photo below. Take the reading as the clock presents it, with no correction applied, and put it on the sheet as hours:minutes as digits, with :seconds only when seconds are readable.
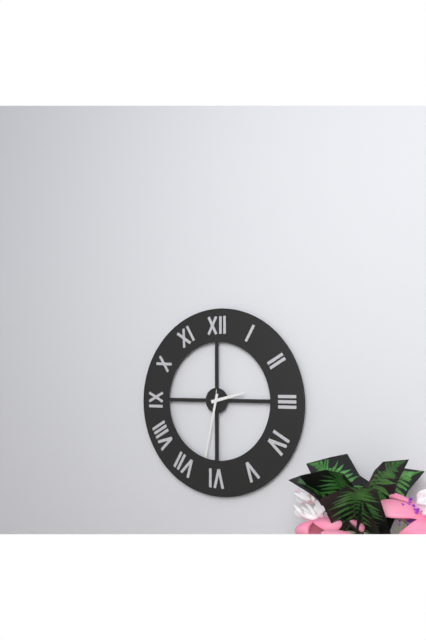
2:32:31
